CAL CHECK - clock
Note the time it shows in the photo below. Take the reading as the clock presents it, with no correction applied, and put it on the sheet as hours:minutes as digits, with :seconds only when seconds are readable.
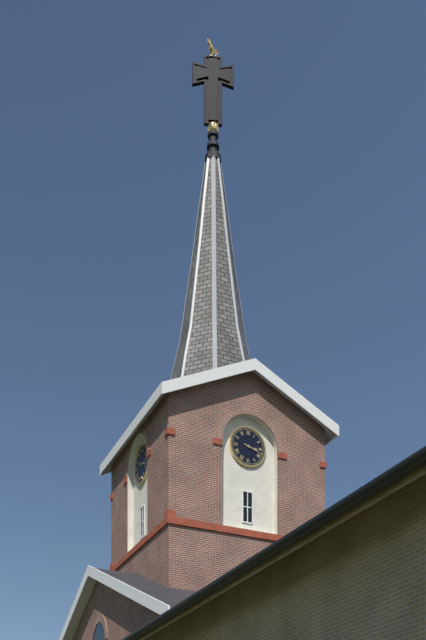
3:18
